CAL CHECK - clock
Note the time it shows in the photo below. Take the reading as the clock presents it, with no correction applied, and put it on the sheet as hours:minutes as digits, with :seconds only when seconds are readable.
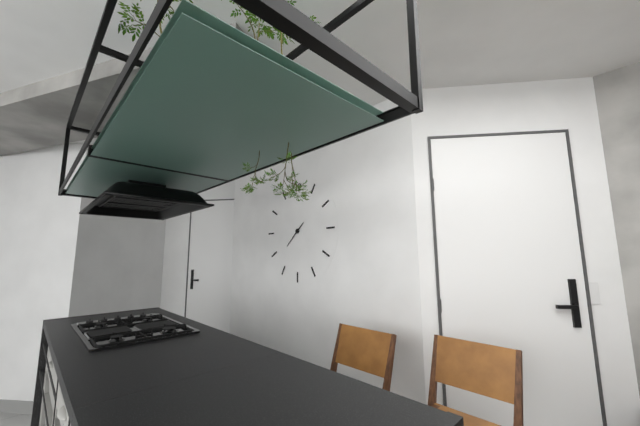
1:38
